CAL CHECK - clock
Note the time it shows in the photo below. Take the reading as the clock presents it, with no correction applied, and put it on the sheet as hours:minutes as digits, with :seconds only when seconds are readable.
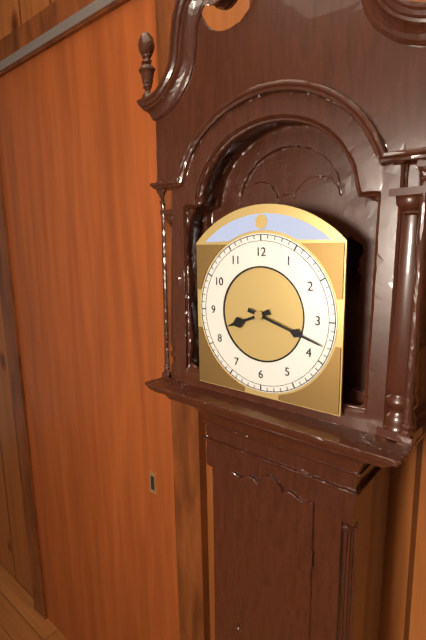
8:18
